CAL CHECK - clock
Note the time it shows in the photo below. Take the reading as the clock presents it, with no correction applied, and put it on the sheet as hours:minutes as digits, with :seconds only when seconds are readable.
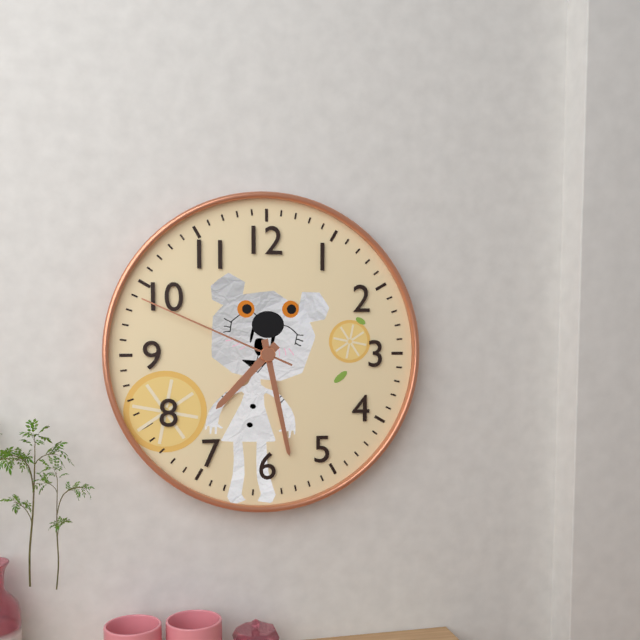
7:28:49
